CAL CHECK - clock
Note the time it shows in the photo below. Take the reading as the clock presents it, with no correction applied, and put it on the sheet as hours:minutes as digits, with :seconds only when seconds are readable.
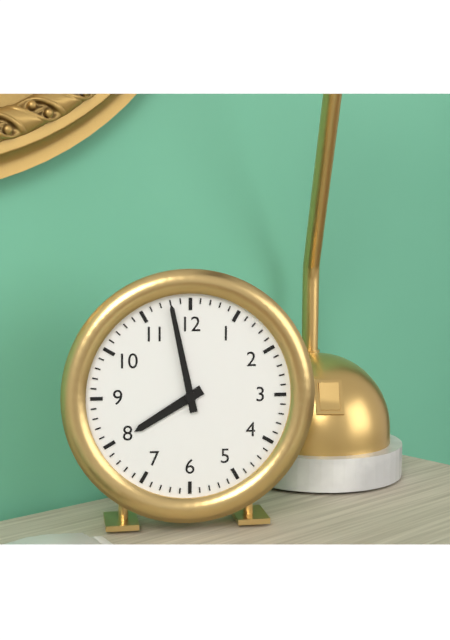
7:58
